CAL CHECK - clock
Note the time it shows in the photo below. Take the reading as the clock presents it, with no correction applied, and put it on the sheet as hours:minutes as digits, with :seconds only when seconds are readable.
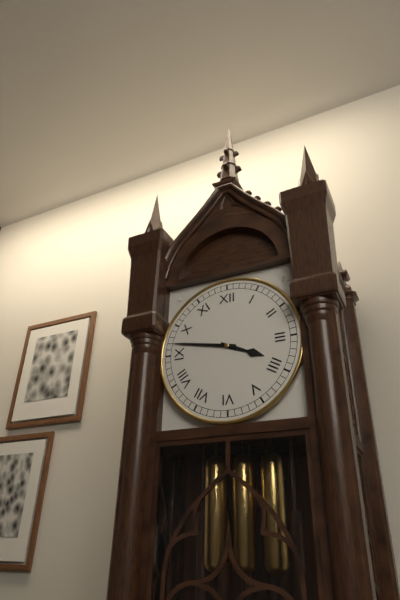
3:47
